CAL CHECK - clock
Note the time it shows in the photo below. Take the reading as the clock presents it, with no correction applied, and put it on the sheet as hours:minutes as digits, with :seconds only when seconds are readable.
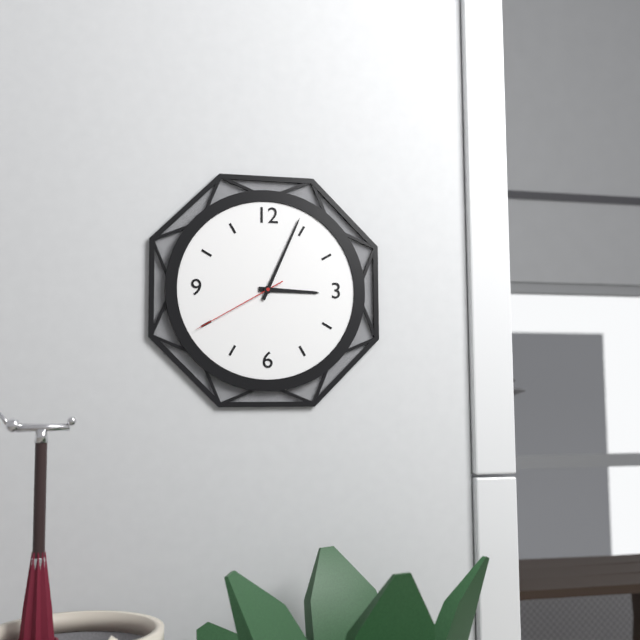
3:04:40
